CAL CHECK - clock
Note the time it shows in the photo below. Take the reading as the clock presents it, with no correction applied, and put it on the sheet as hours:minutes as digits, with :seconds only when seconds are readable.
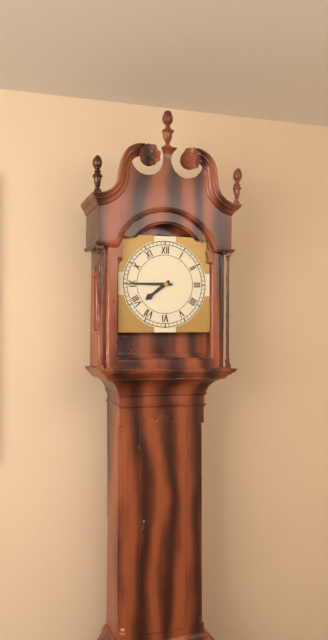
7:45
